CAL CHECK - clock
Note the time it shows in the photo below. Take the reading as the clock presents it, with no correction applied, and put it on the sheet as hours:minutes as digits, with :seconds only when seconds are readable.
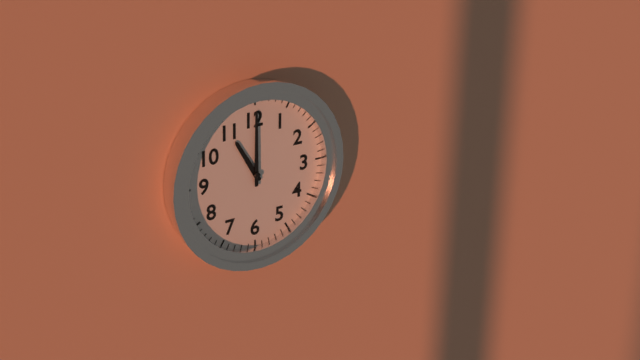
11:00
